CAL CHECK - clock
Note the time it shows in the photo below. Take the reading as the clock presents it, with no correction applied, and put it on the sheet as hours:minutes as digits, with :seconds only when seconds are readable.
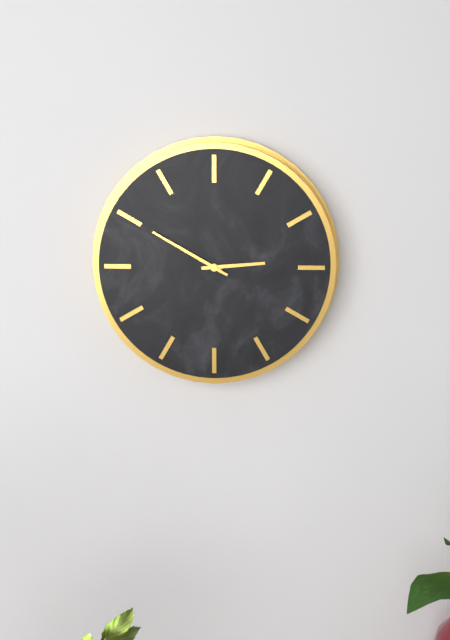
2:50
